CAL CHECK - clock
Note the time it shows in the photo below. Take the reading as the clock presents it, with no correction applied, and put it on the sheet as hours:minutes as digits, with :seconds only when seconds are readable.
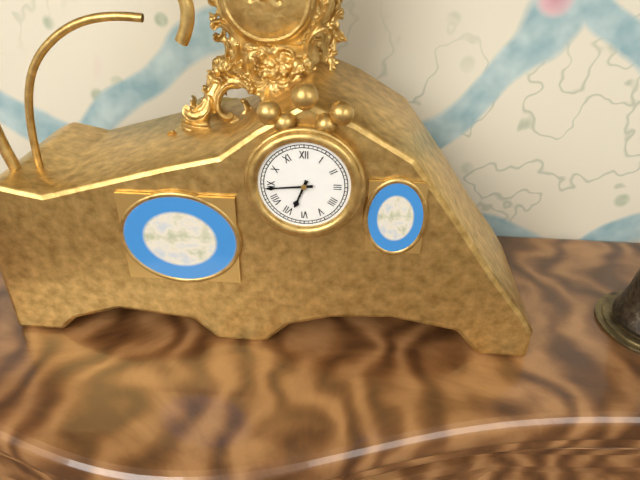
6:44
